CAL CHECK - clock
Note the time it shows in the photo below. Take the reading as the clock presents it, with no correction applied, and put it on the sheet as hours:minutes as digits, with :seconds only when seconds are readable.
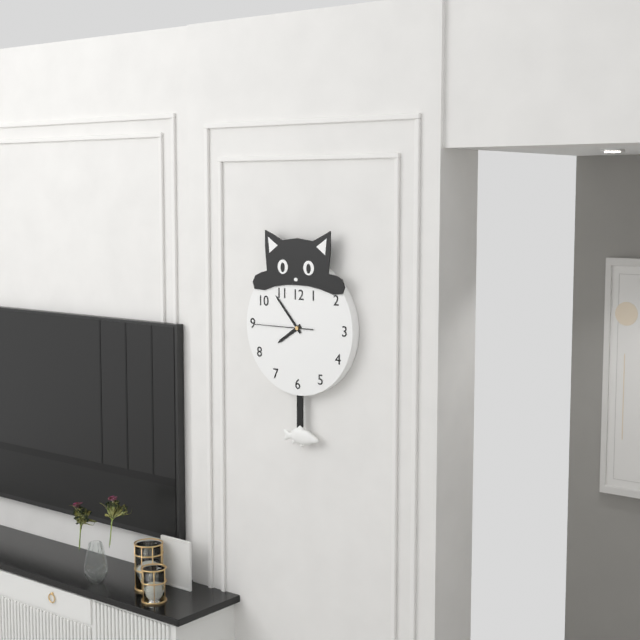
7:53:45
